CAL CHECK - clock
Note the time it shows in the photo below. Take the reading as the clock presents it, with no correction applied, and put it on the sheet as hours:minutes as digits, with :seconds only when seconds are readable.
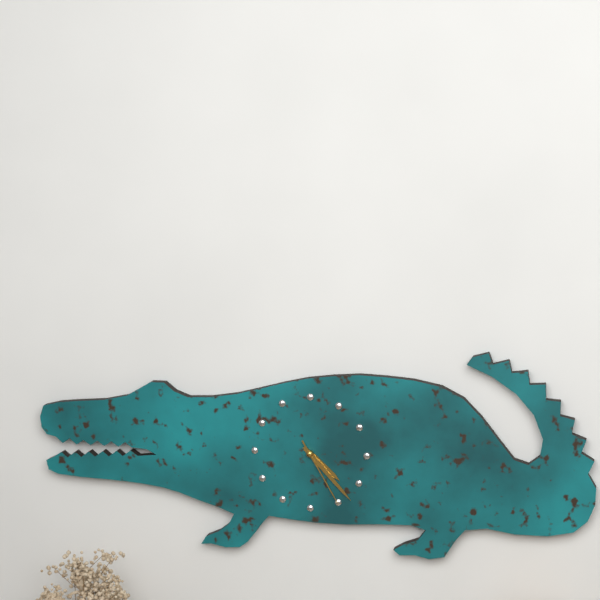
4:23:25
